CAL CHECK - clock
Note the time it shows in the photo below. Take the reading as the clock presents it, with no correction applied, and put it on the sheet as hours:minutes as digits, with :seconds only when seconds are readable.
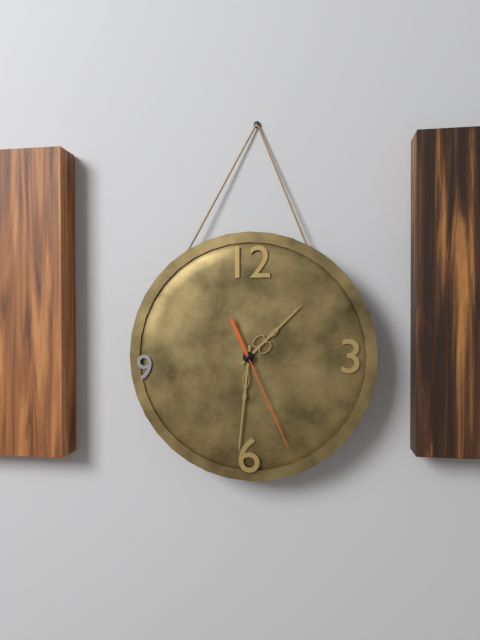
1:31:26
